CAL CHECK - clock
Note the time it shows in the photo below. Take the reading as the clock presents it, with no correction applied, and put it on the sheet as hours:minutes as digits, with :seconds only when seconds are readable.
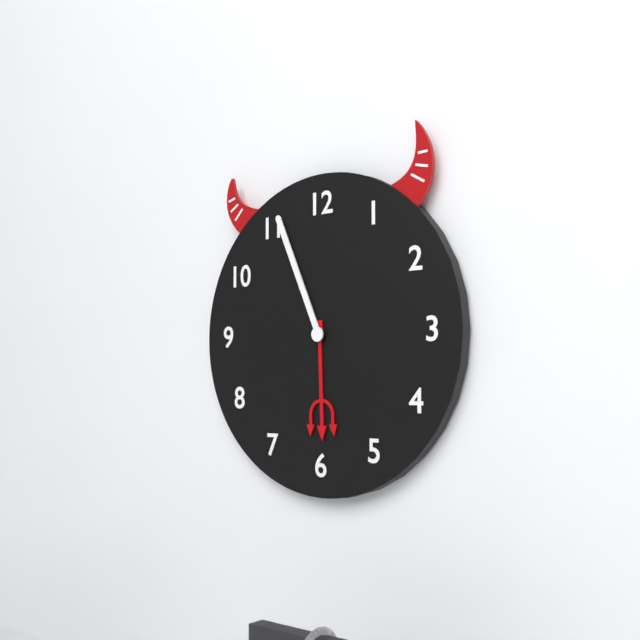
5:56
